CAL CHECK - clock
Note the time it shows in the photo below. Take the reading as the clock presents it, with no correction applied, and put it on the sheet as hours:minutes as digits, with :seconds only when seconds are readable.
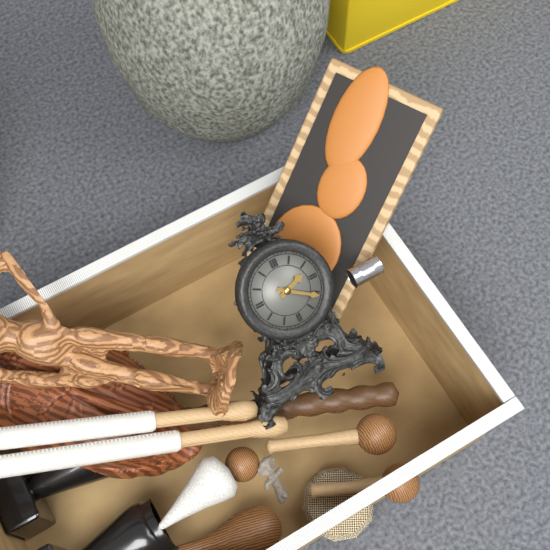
2:21
